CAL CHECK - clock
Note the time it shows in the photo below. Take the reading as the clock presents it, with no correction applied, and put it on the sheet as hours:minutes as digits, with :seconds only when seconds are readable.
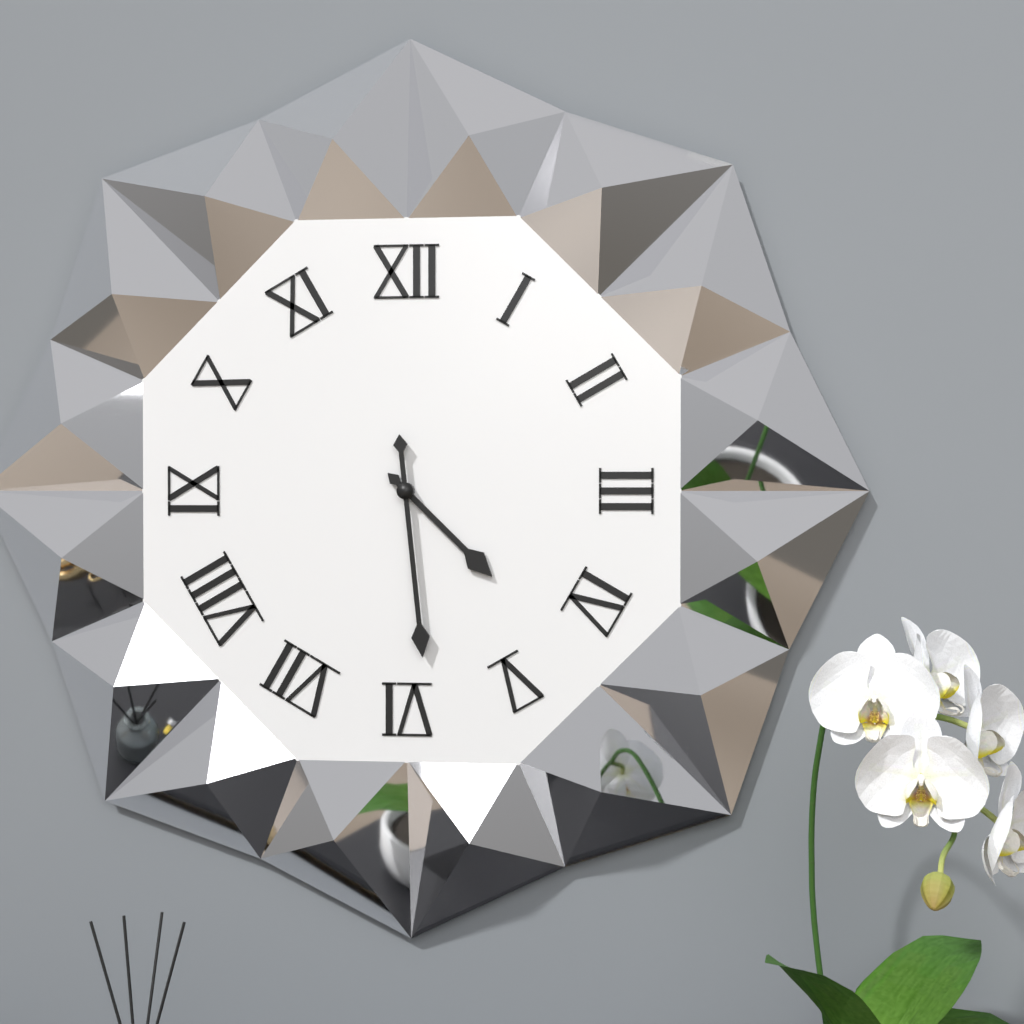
4:29
